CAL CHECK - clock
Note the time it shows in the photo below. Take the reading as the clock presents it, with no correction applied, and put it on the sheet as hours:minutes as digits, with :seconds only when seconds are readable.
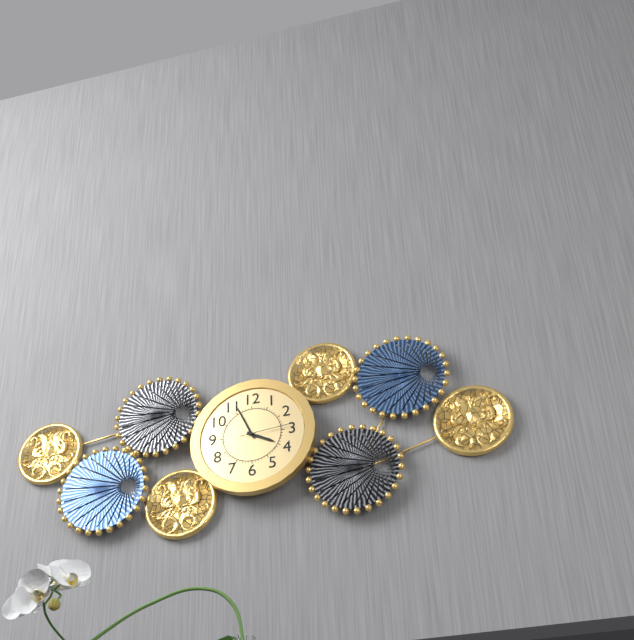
3:56:14
